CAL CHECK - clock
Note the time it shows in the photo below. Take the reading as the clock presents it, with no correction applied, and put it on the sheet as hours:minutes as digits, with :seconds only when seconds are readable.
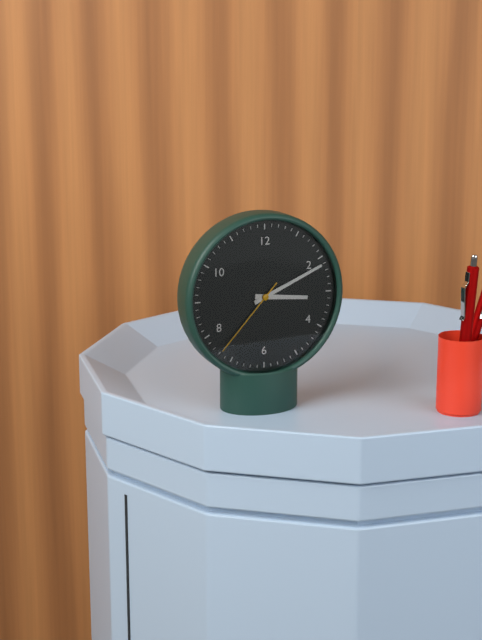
3:11:37
